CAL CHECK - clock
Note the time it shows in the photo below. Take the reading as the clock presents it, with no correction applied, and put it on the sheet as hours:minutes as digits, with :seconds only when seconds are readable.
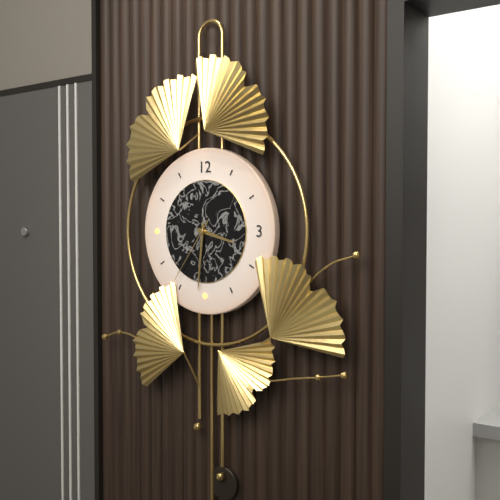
3:31:36
